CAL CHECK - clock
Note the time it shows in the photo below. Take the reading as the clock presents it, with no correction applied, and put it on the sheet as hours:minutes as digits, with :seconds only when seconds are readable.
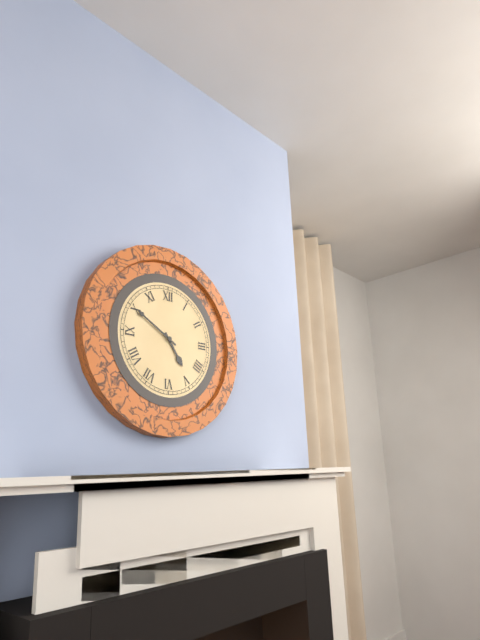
4:50
